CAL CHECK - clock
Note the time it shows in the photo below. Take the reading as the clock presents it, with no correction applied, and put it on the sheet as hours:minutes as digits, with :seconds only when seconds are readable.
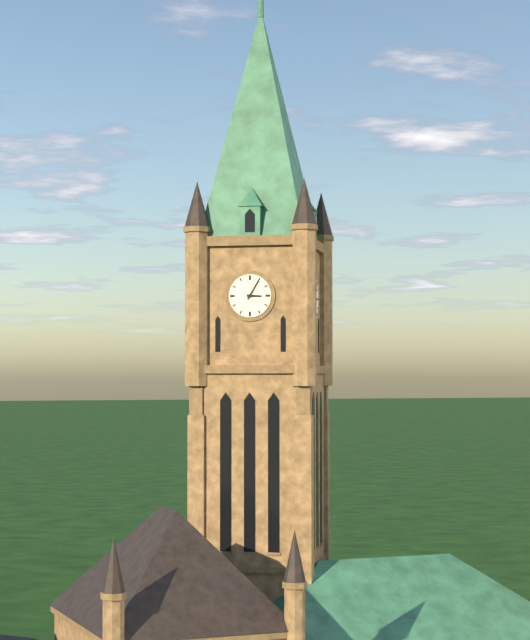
3:05
